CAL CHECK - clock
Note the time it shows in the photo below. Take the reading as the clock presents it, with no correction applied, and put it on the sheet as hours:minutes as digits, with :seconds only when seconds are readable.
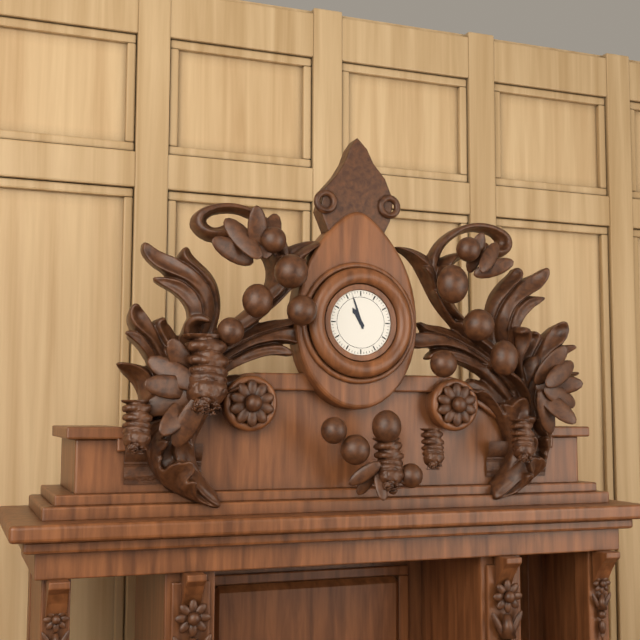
10:57
